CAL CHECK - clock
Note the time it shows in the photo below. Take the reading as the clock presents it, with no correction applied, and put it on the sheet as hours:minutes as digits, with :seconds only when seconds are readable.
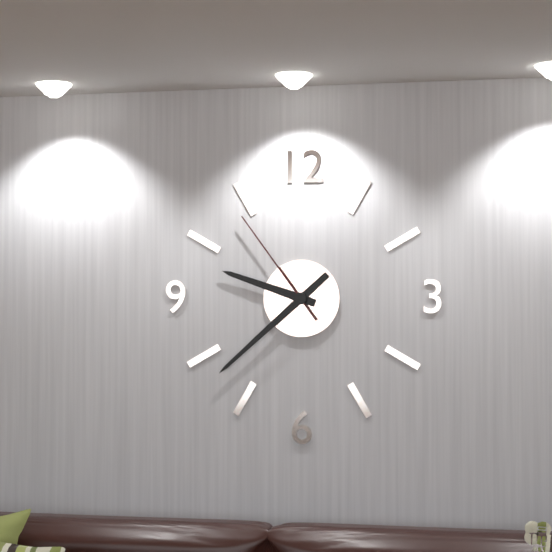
9:38:54
